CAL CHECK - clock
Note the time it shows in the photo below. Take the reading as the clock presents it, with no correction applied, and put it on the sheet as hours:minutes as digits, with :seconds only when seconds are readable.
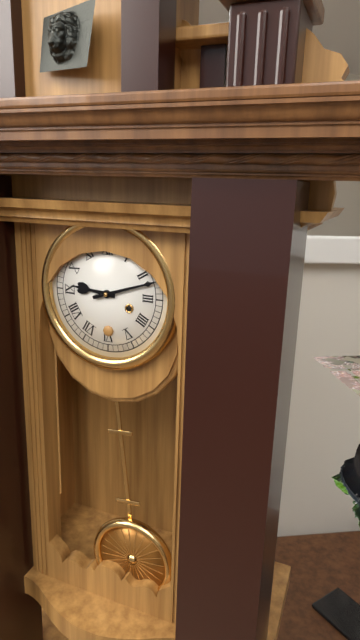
9:12
